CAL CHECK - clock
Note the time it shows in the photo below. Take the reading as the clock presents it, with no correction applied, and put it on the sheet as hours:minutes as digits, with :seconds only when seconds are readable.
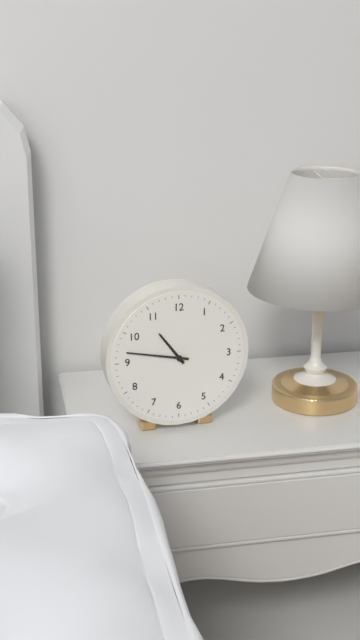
10:47
